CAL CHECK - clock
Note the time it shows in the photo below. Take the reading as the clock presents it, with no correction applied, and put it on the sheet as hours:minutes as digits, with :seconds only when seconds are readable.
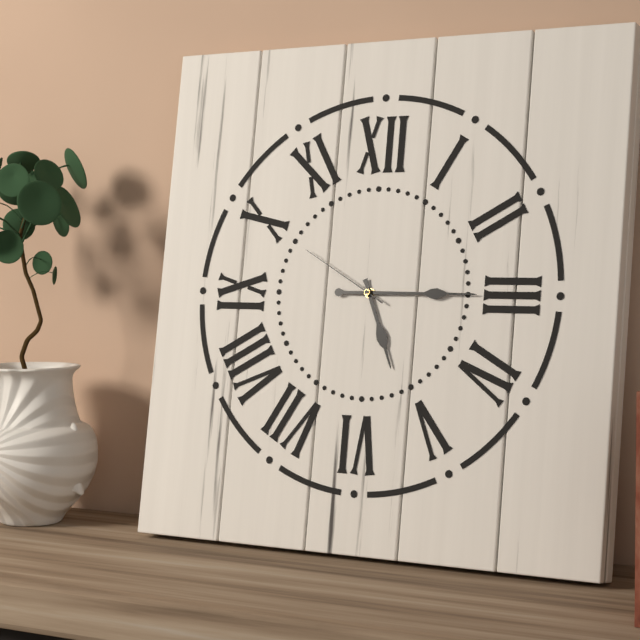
5:15:50
